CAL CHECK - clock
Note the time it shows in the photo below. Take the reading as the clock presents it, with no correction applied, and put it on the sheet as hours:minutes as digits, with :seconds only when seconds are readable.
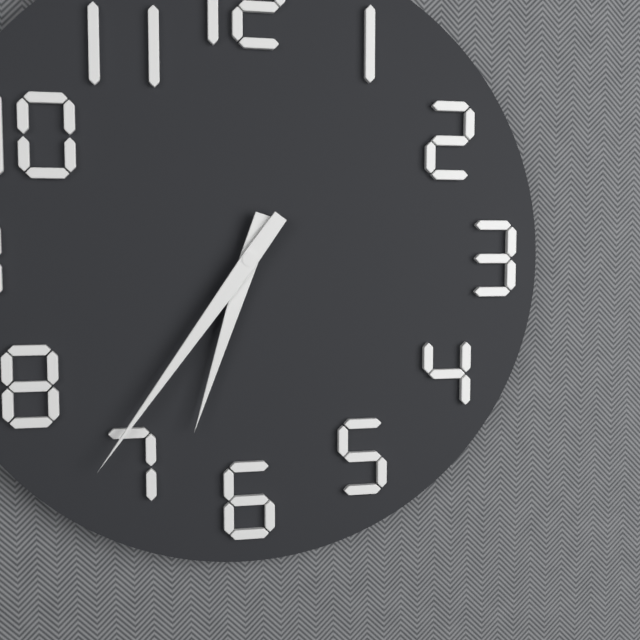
6:36
